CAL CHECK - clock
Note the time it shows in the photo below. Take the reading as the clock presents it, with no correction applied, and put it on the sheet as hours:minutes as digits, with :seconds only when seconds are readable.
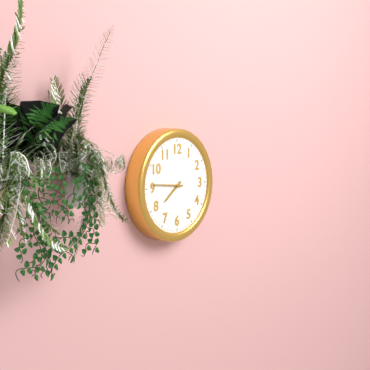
7:46
